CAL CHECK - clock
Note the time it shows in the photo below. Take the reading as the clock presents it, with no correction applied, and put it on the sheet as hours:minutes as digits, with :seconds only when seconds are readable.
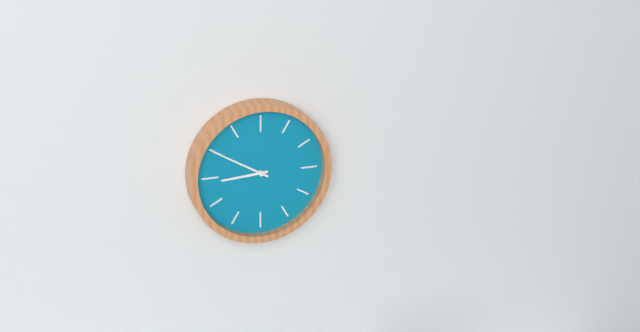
8:50
